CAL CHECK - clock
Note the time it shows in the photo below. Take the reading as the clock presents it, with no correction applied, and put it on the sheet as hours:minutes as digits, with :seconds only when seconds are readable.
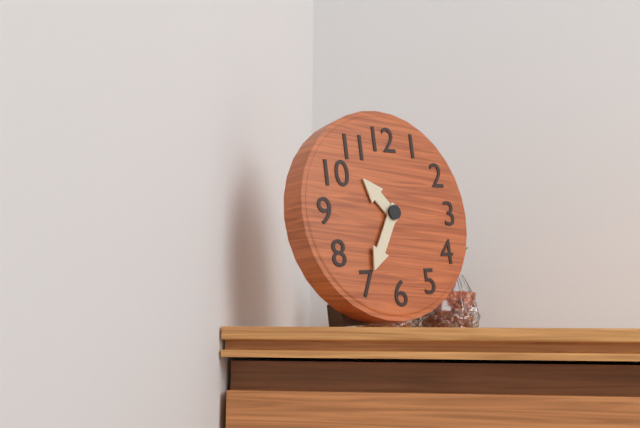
10:35
